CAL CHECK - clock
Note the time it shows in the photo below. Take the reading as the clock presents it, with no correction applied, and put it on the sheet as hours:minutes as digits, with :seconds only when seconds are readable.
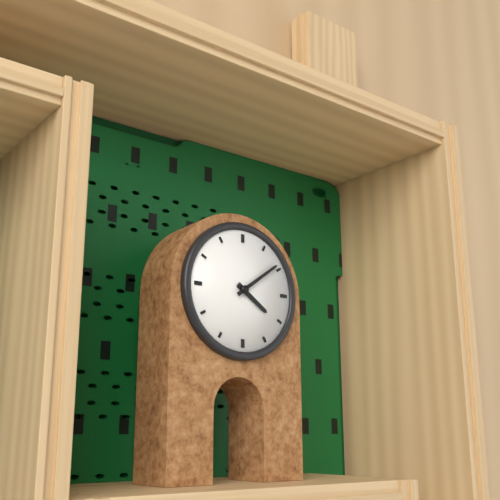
4:09
